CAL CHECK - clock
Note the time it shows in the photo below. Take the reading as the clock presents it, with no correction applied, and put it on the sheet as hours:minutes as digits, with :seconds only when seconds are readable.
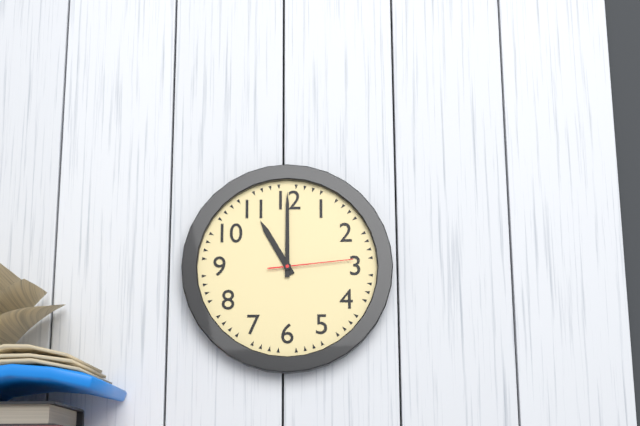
11:00:14
